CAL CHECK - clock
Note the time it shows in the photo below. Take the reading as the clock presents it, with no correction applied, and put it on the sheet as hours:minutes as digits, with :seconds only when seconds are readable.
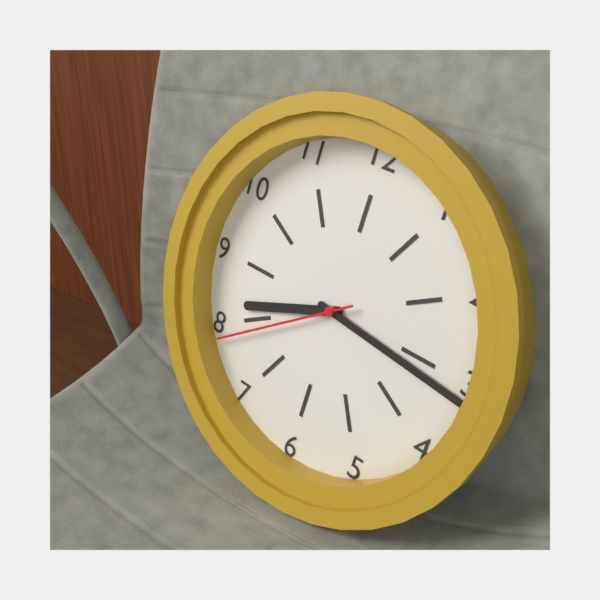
8:16:39
